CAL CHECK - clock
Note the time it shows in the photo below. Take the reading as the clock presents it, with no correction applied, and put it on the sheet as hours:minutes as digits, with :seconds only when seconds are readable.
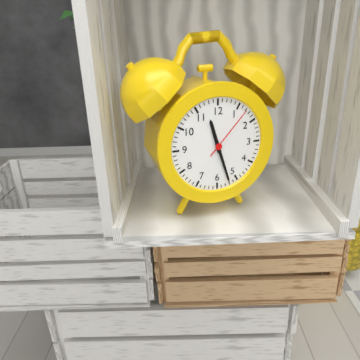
11:27:07
